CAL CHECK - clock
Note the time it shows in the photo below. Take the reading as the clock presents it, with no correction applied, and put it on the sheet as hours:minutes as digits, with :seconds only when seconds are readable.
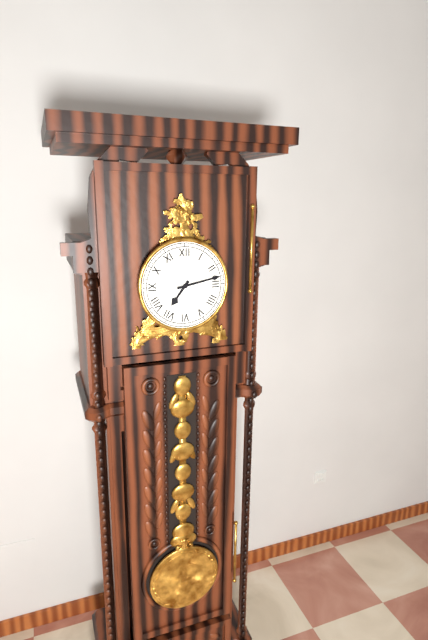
7:13
